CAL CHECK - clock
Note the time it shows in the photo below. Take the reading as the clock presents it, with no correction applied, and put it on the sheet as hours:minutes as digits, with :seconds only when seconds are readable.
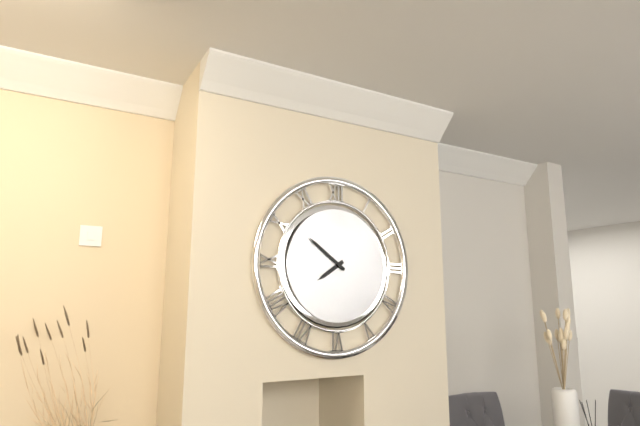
7:51
